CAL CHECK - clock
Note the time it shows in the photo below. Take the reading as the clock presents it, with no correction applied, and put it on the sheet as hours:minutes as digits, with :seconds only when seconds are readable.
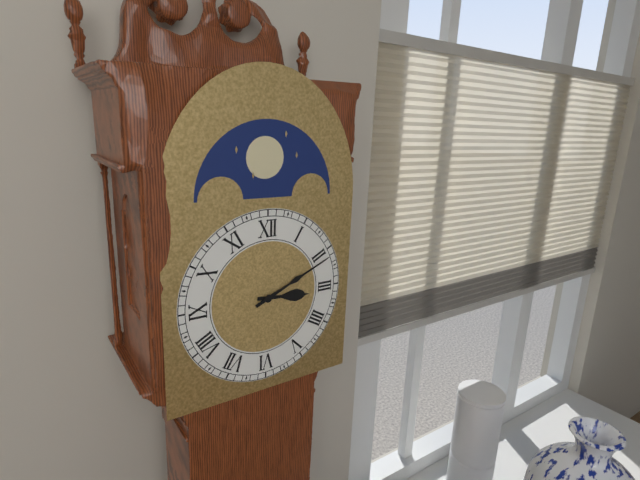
3:11
